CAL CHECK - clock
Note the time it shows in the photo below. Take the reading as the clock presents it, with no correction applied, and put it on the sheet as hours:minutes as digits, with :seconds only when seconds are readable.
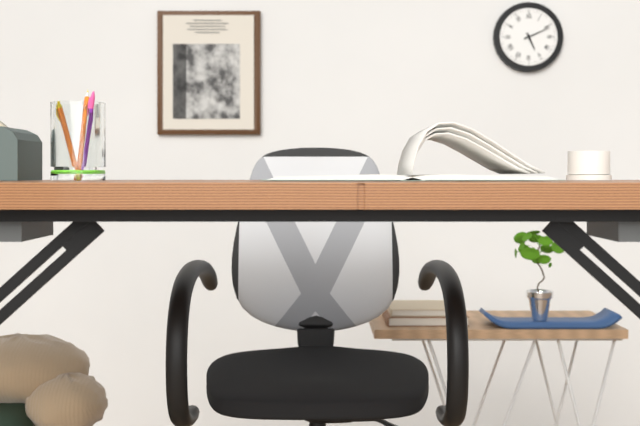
5:11
